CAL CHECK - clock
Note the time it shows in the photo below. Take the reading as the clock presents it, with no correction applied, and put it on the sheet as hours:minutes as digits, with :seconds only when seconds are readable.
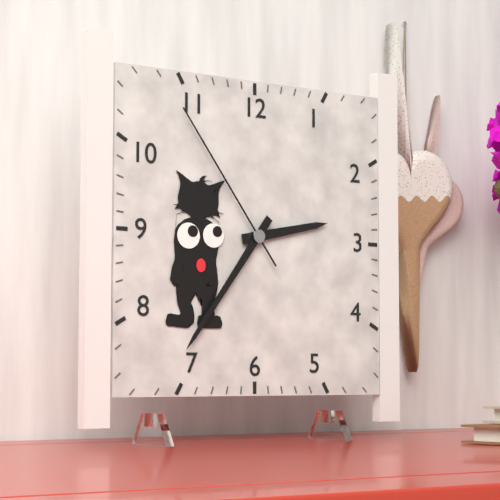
2:36:54
